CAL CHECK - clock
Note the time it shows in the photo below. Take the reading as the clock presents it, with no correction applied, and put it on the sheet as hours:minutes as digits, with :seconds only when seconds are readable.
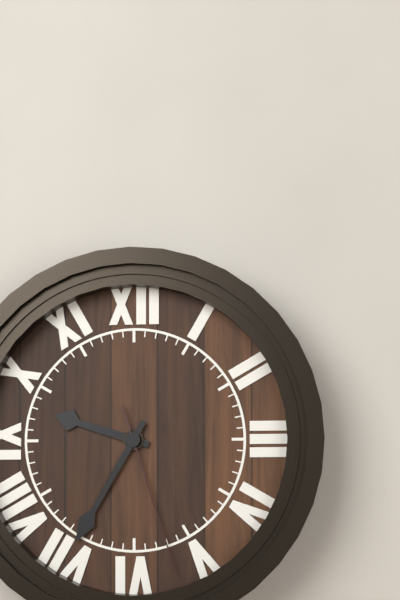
9:35:27
